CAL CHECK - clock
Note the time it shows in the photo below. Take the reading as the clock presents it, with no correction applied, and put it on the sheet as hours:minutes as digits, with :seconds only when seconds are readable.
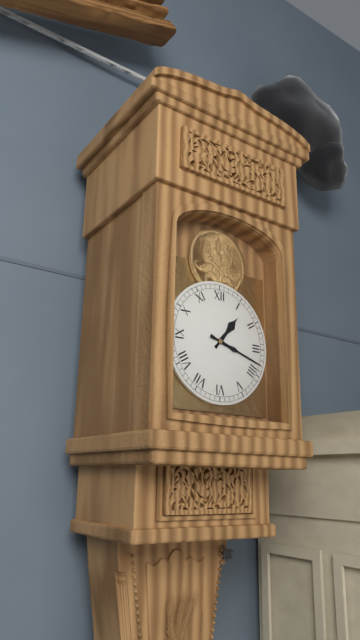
1:18
